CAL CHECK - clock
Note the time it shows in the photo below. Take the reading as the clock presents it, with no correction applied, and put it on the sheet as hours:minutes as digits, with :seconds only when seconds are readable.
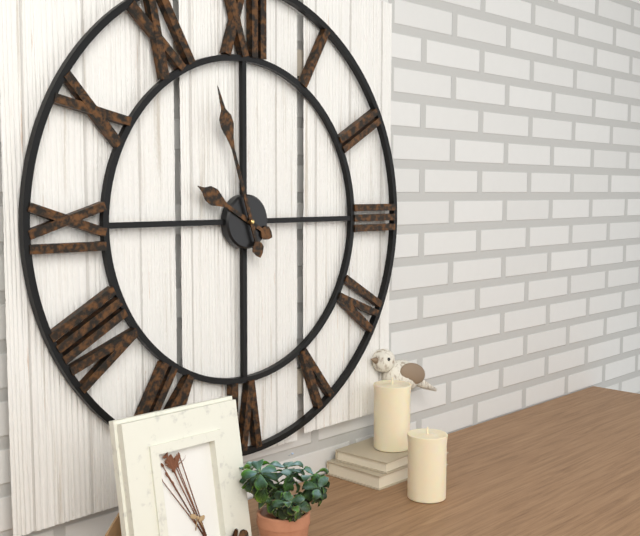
9:57
